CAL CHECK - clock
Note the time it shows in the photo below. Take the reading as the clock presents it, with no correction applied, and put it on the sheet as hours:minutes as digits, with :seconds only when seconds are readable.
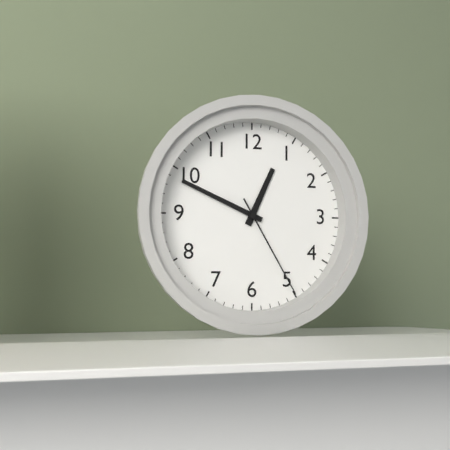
12:49:25
